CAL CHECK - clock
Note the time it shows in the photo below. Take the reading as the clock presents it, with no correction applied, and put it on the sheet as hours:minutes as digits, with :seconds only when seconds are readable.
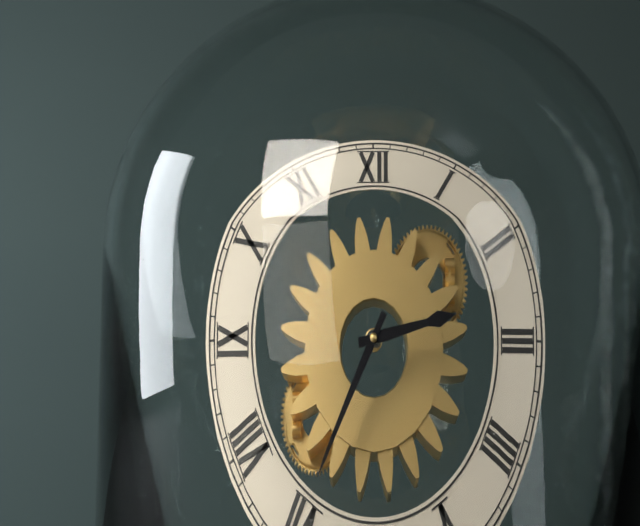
2:35
